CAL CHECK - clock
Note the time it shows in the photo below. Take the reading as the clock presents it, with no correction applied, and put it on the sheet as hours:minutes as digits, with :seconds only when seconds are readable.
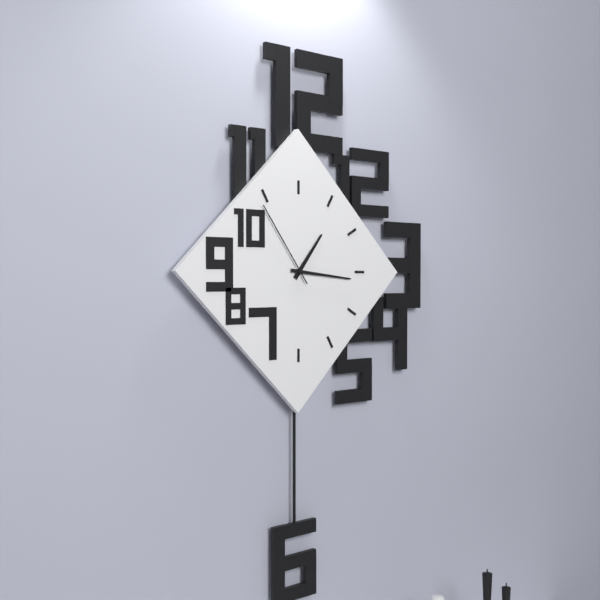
1:16:54
